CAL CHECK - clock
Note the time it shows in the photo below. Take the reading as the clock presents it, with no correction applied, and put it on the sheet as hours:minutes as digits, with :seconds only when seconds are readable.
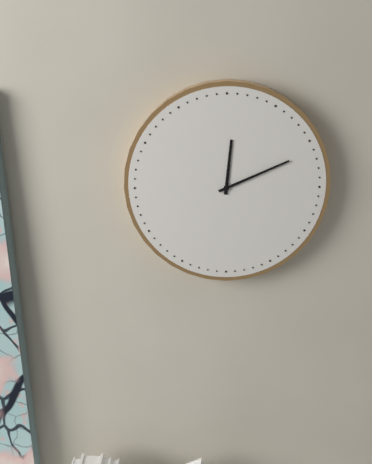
12:11
